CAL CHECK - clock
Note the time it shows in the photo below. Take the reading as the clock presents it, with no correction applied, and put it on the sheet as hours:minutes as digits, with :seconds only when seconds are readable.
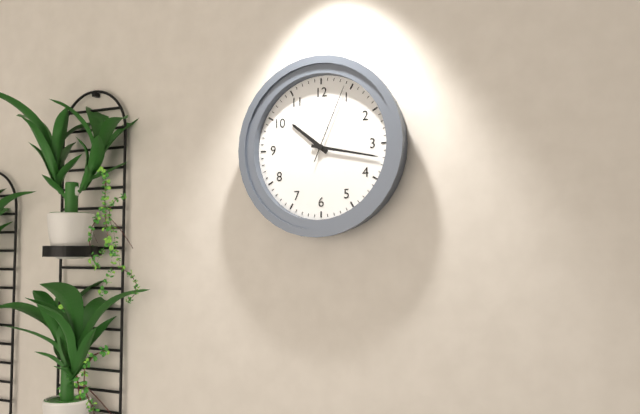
10:17:04
